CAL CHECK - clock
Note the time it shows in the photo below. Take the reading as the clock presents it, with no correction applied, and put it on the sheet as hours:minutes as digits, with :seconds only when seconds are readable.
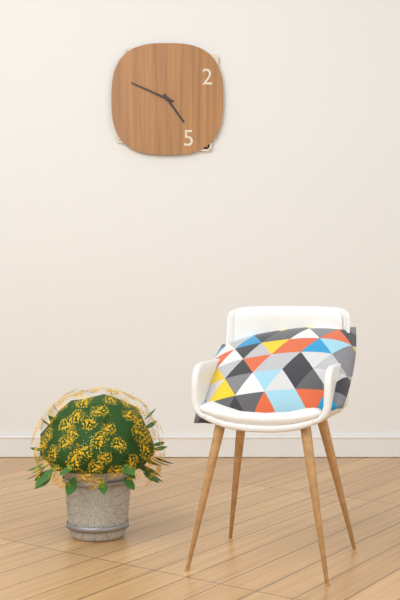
4:49
